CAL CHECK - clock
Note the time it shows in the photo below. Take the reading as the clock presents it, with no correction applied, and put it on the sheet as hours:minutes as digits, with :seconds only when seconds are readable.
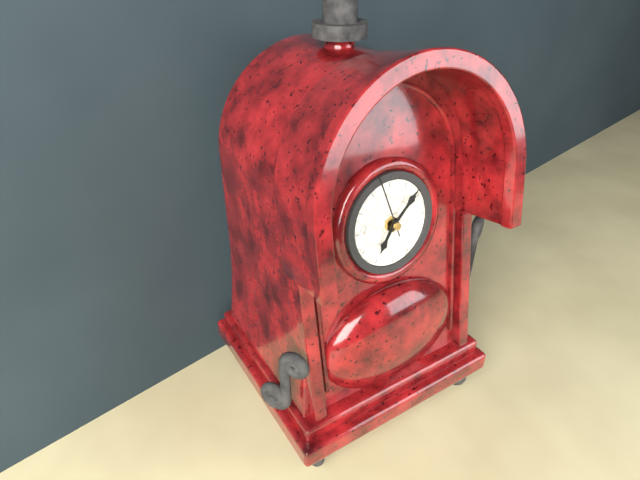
7:08:57
